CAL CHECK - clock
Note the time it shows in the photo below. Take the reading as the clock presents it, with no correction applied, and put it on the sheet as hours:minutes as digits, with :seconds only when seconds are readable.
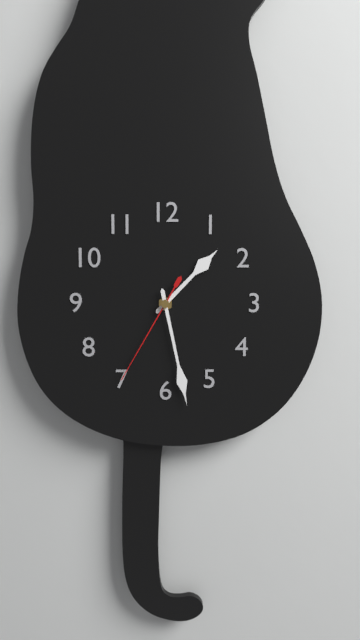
1:28:35
